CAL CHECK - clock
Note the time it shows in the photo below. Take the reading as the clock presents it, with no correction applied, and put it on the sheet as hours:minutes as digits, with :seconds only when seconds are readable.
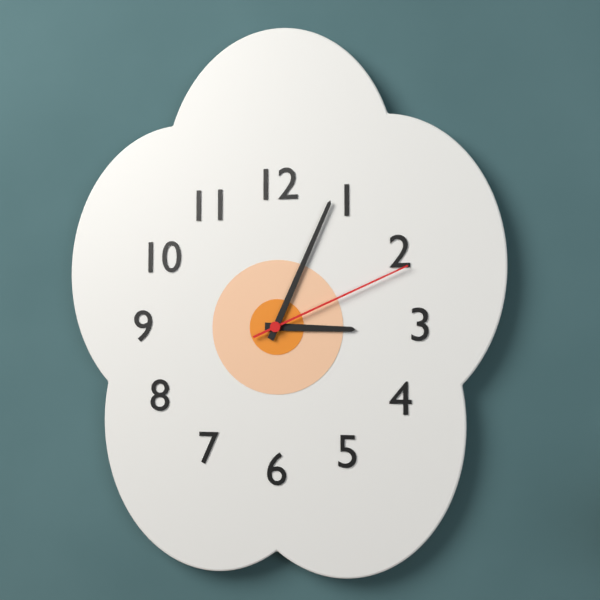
3:04:11
